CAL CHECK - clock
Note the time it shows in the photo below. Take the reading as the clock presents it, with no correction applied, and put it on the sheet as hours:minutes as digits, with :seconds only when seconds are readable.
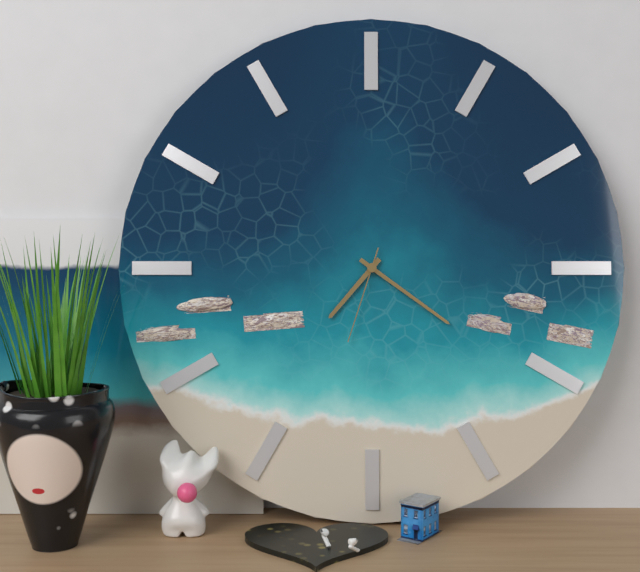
7:21:33
